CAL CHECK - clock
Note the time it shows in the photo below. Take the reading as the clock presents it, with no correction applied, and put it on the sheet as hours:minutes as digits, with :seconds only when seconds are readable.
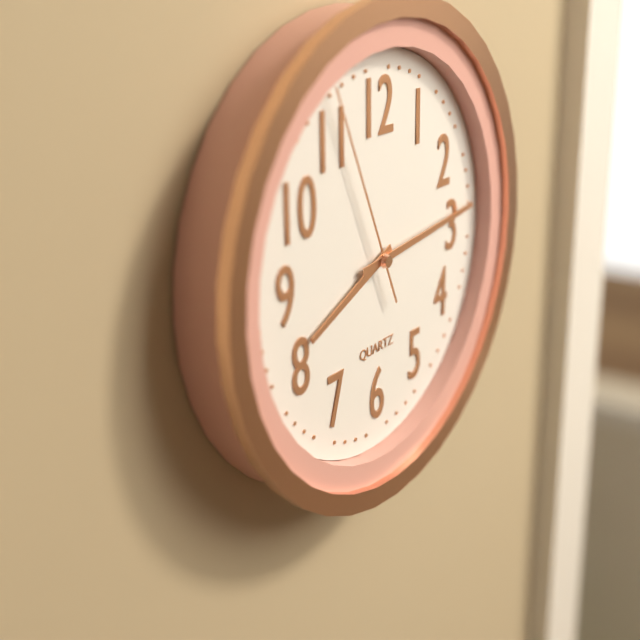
8:14:56
